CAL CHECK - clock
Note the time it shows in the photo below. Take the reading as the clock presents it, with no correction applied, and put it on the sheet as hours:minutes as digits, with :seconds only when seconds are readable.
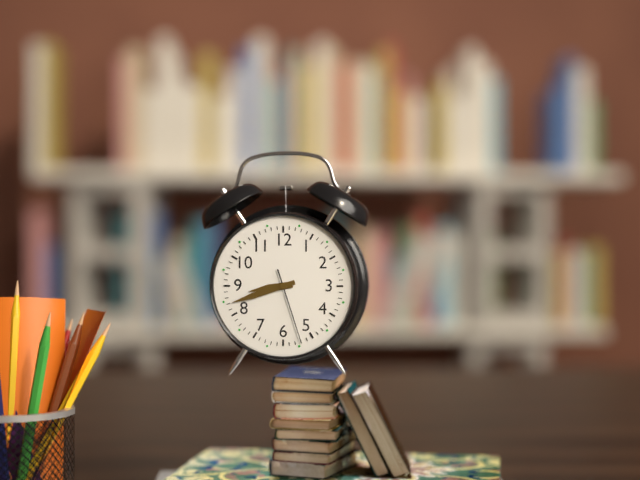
8:42:27
